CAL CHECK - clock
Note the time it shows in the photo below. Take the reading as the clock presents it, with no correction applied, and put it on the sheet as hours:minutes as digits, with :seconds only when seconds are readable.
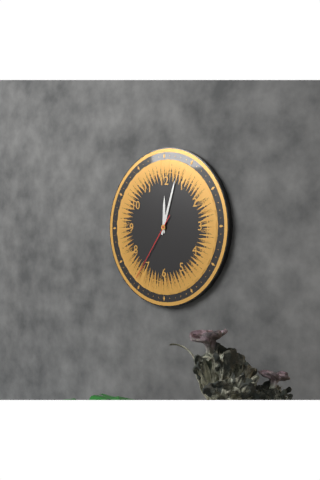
12:03:36
